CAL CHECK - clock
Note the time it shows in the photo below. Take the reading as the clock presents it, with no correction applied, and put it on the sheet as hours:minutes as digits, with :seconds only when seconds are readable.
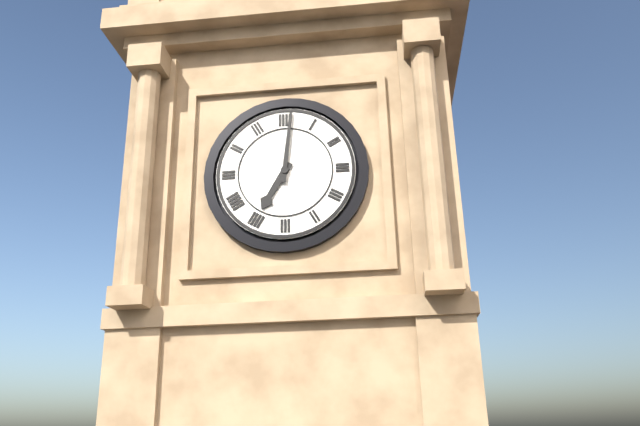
7:01
